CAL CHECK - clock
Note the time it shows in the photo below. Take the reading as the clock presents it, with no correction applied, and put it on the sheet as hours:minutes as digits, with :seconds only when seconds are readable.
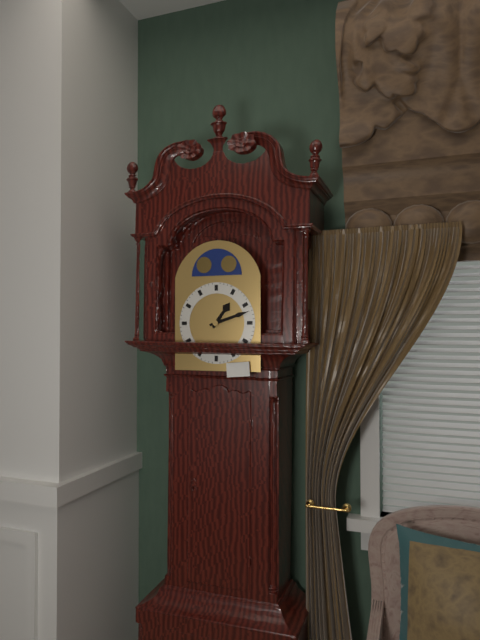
1:12
